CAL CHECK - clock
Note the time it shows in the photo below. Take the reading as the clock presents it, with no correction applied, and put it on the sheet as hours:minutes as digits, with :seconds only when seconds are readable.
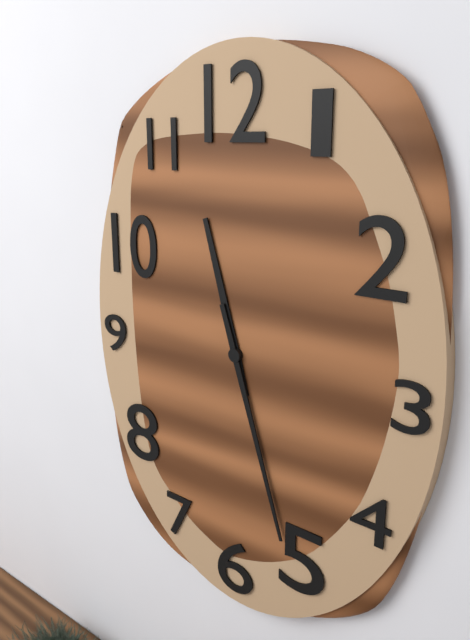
11:27
